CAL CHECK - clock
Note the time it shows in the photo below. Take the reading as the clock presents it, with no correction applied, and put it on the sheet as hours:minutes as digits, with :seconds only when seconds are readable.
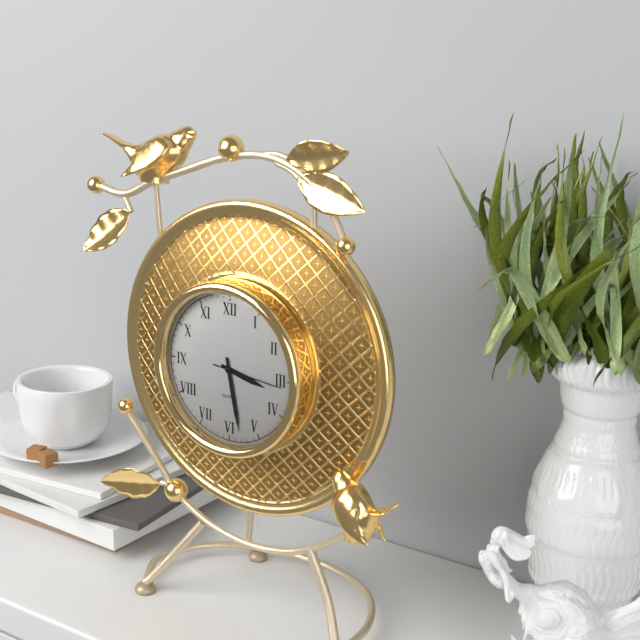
3:28:16
